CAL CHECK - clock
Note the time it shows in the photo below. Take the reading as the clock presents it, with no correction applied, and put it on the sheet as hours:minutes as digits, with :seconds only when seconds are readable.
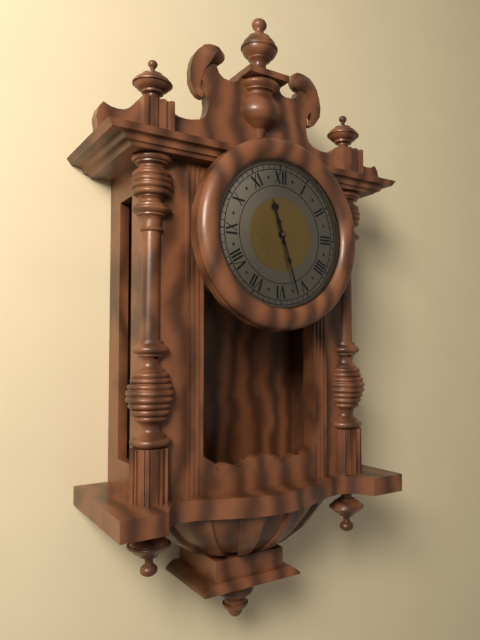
11:27
